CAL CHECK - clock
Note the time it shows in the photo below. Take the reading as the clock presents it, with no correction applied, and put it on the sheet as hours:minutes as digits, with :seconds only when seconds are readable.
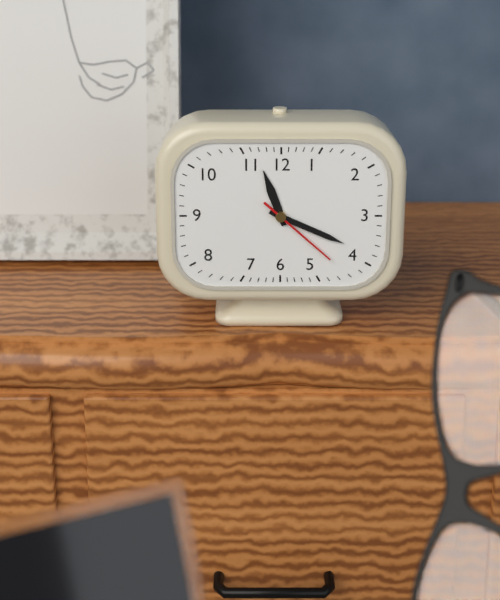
11:19:22
